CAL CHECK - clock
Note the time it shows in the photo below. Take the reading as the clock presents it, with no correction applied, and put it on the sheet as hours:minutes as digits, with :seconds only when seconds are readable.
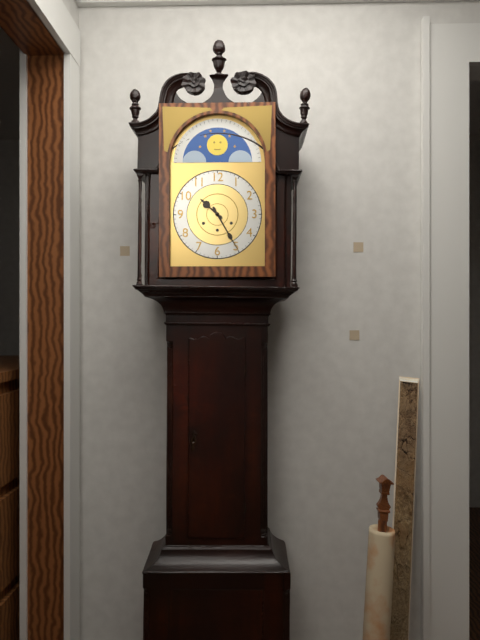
10:25
